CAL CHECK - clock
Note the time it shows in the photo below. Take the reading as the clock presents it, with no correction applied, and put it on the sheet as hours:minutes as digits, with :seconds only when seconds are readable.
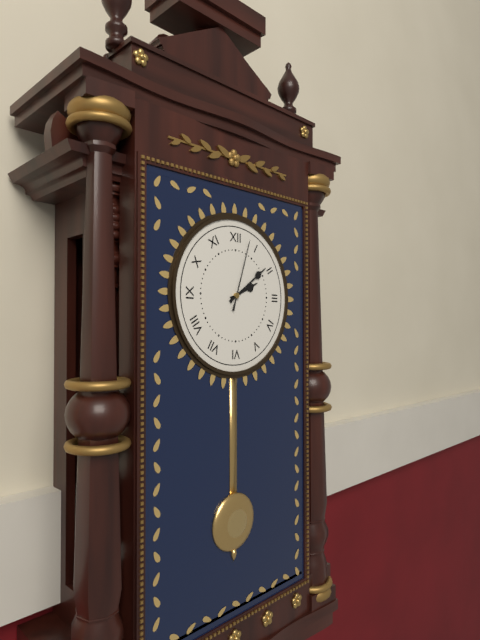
2:09:03
